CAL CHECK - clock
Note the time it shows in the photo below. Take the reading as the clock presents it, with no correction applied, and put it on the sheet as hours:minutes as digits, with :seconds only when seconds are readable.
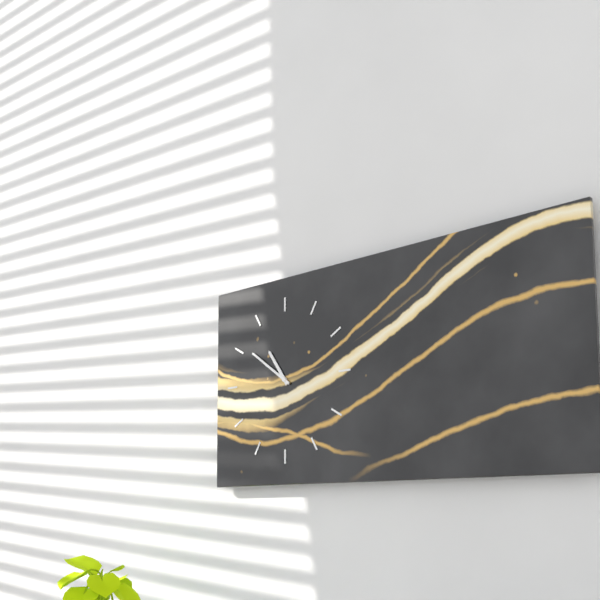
10:51
